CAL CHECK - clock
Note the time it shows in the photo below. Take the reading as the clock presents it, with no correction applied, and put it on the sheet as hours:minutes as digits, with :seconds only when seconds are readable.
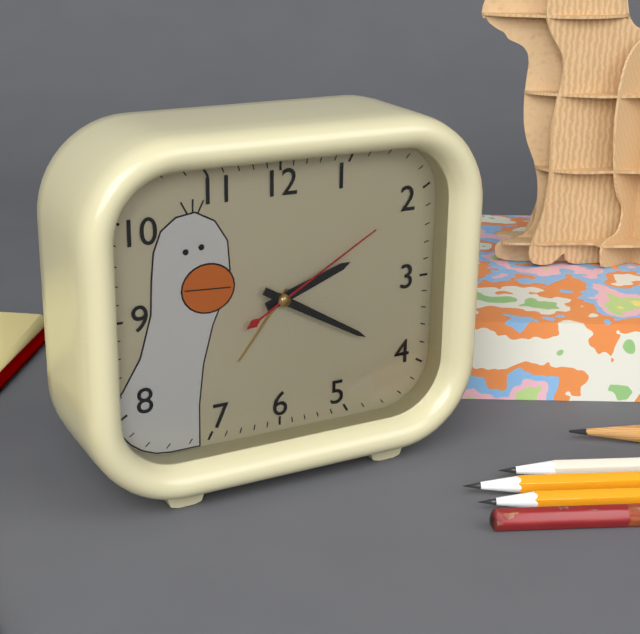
2:20:10
